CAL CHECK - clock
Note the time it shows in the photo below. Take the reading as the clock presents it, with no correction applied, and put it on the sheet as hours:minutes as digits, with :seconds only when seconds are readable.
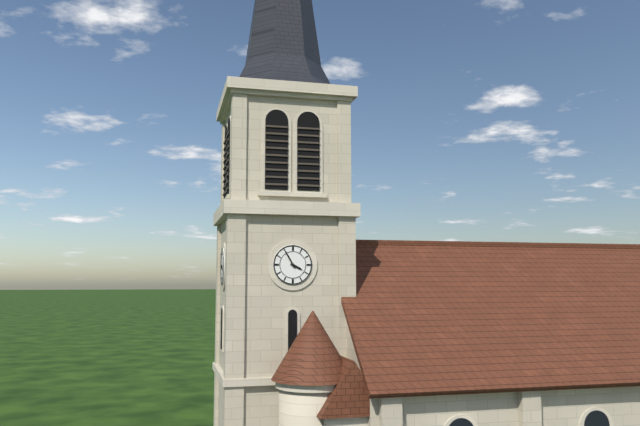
3:55
